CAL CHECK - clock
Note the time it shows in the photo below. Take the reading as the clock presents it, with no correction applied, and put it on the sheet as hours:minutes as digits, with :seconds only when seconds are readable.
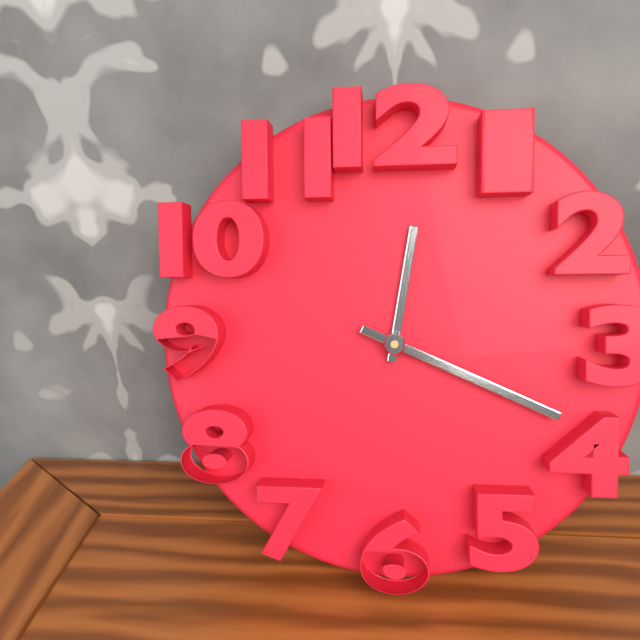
12:19
